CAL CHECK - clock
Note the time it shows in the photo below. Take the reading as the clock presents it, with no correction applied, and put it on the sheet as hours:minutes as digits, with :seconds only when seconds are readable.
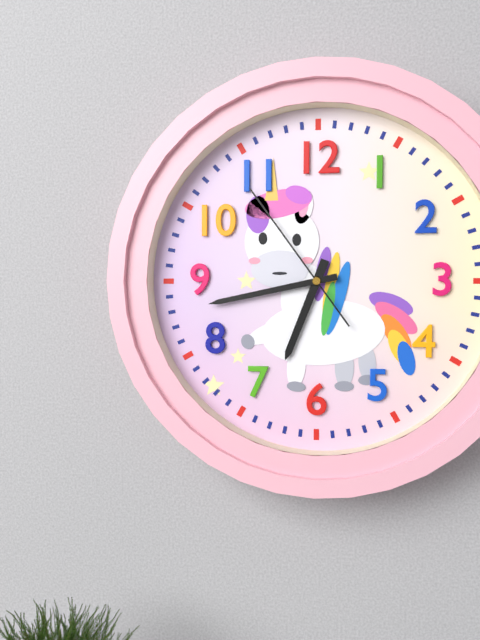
6:43:54
